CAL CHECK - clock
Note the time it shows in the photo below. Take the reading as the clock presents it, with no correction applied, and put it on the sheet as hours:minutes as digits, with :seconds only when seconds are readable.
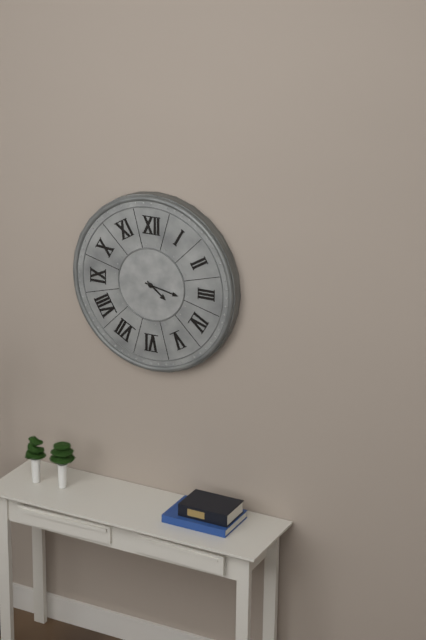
4:17
